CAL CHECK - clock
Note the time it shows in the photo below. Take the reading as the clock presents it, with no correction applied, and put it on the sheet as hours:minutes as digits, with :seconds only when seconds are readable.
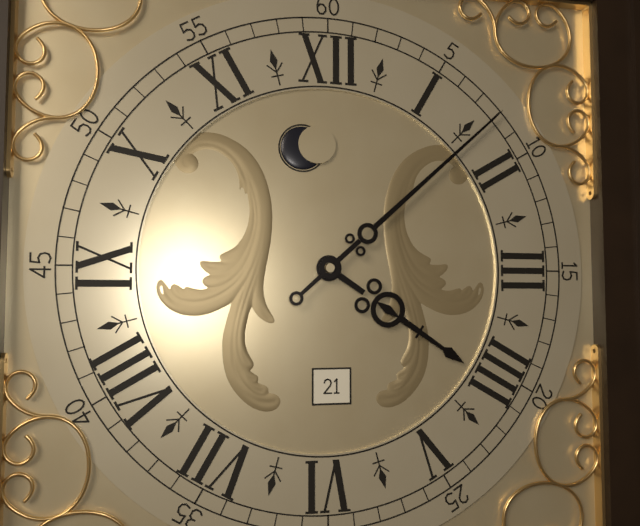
4:08
